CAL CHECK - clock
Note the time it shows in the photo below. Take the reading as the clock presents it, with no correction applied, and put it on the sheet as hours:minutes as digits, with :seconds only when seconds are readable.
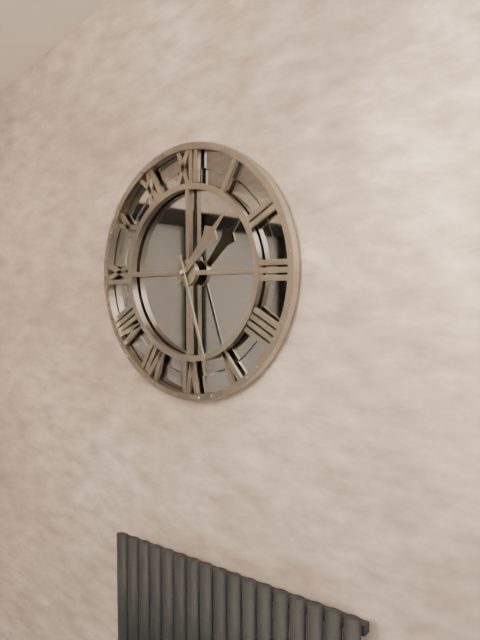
1:27
